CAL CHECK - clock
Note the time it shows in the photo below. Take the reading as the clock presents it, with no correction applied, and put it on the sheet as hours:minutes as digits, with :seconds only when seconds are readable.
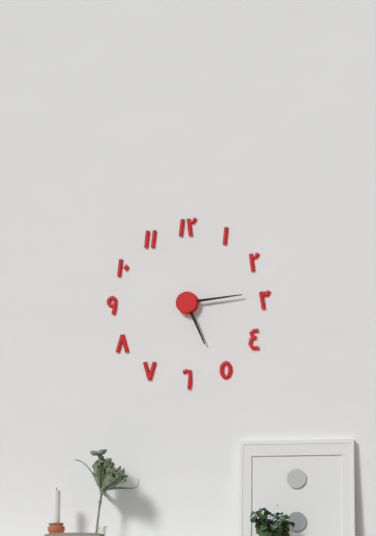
5:14
